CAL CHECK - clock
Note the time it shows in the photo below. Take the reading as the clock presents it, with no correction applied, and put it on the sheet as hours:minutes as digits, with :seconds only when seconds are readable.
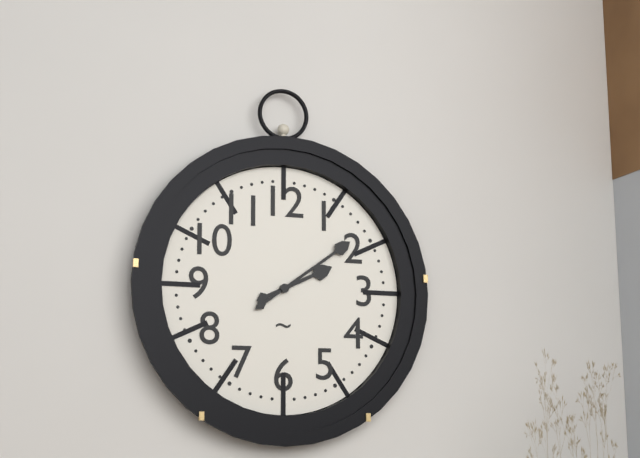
2:09
